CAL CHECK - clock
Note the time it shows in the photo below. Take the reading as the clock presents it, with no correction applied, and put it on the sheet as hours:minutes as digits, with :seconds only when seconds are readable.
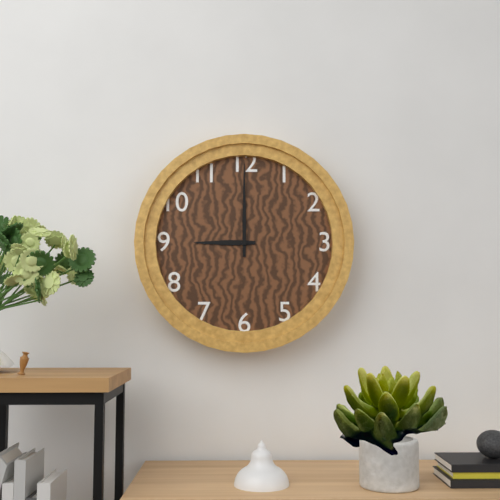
9:00
